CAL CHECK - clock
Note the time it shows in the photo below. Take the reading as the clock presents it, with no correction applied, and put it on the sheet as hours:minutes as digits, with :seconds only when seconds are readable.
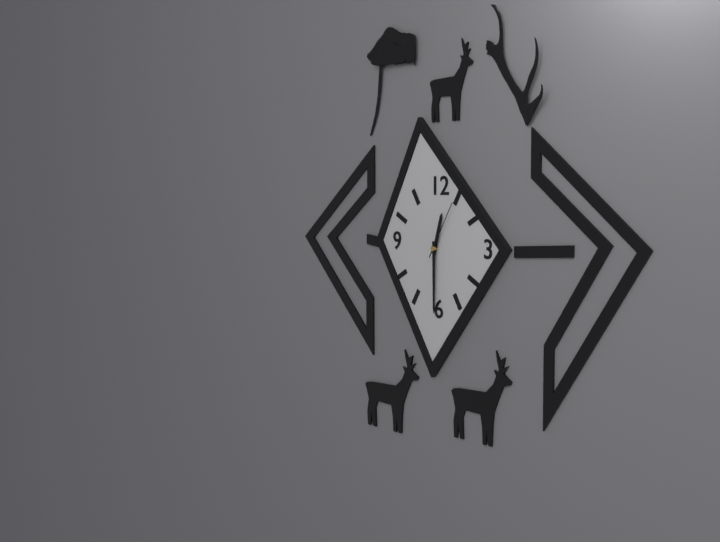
12:30:05
